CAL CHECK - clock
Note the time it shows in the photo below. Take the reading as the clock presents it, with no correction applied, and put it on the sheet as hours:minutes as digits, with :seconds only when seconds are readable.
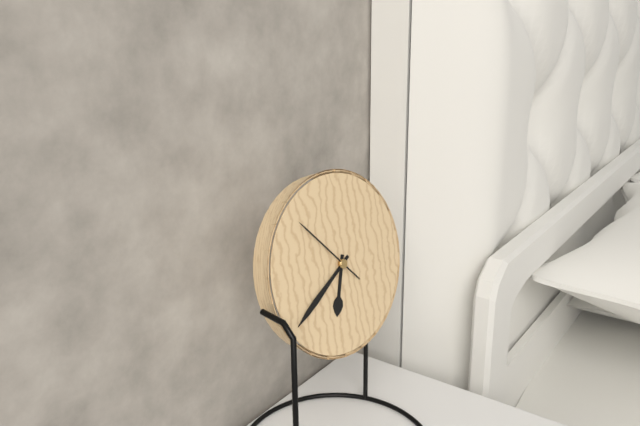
6:40:53
